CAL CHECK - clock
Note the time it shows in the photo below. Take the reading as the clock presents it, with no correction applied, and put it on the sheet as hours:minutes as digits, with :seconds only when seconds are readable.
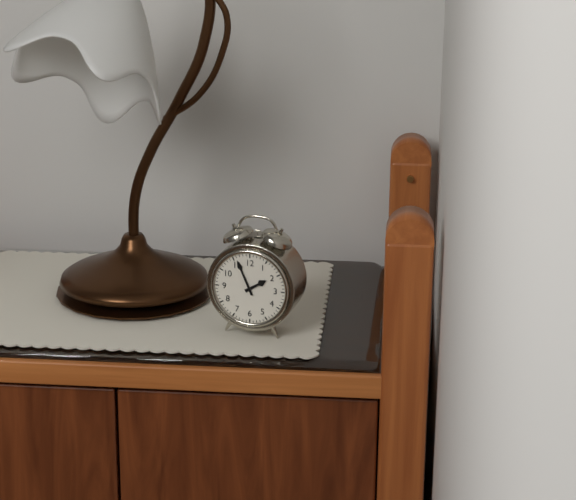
1:56
